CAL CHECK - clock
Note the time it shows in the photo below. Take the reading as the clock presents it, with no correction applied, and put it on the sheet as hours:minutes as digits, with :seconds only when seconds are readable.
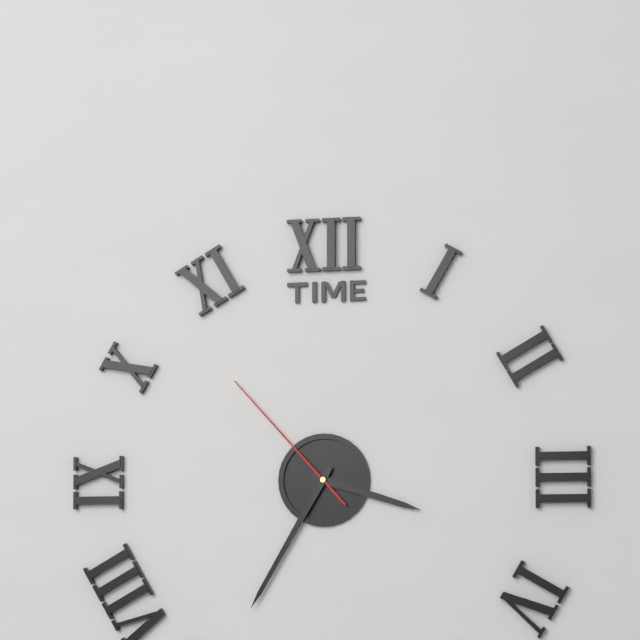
3:35:53
